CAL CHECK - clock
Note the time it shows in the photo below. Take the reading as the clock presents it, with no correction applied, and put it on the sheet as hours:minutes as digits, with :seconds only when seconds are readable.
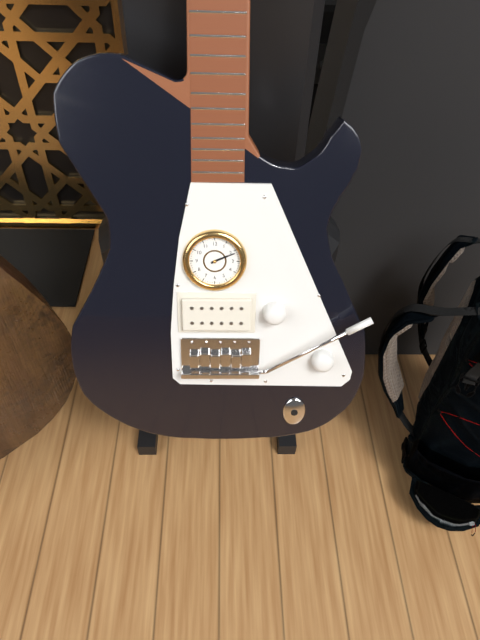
2:11
